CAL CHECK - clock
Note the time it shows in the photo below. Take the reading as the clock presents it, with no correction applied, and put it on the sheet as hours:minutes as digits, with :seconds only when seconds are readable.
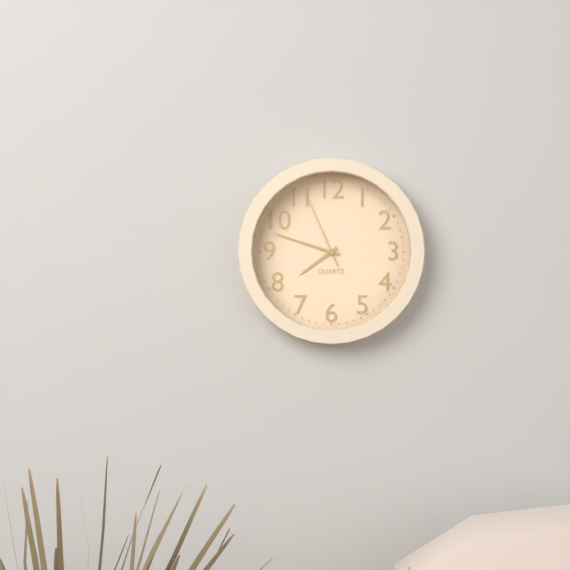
7:48:56
